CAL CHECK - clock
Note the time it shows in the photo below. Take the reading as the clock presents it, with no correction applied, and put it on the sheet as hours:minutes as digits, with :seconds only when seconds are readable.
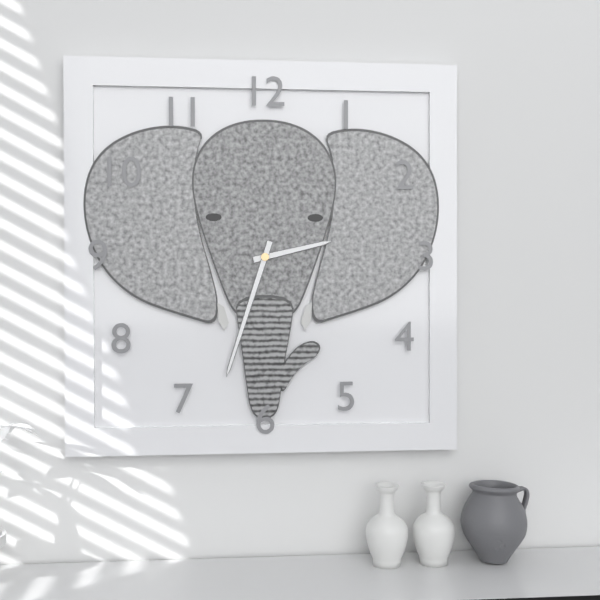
2:33
